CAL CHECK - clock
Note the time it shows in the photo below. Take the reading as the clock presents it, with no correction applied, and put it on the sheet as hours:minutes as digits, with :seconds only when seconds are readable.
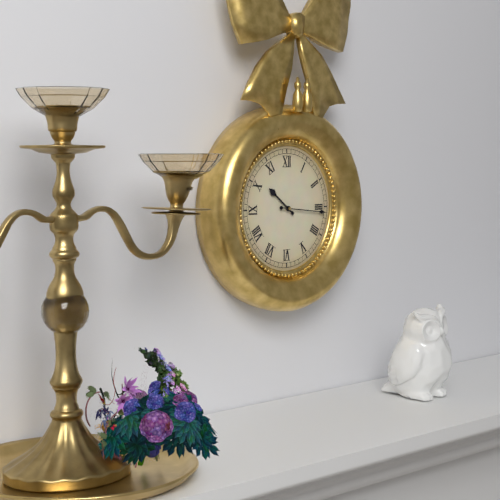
10:16
